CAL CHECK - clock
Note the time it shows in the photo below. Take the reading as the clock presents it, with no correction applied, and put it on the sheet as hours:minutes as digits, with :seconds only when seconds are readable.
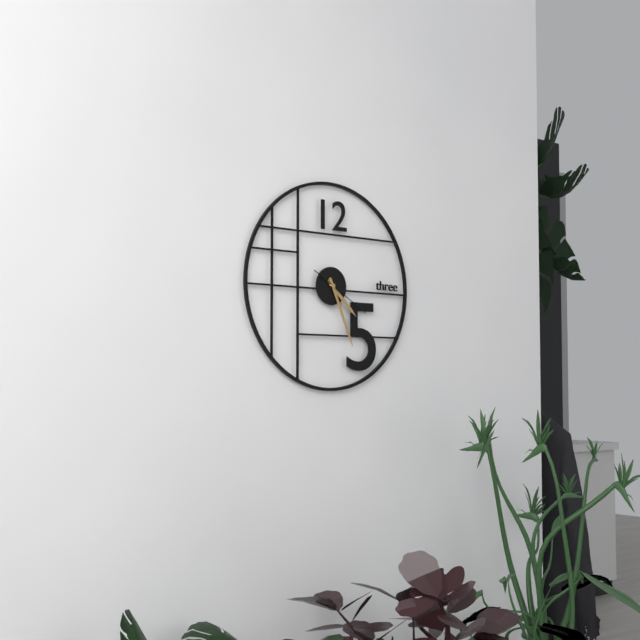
4:26:20
